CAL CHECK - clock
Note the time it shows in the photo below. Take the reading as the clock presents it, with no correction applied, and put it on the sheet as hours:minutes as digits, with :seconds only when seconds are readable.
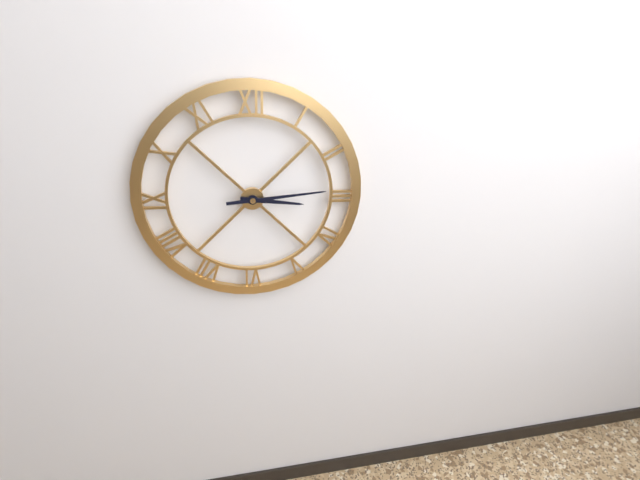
3:14
